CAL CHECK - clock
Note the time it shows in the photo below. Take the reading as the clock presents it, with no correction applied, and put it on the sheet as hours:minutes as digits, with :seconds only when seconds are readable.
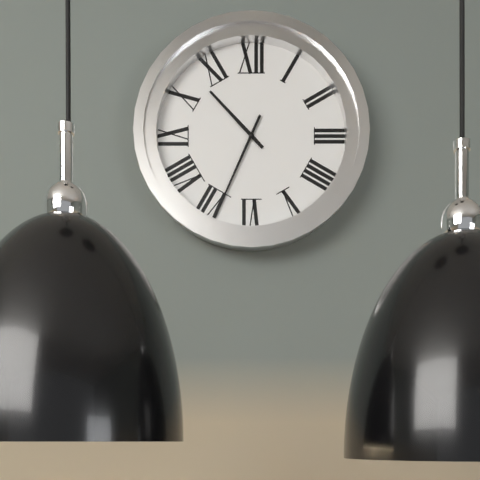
10:34
